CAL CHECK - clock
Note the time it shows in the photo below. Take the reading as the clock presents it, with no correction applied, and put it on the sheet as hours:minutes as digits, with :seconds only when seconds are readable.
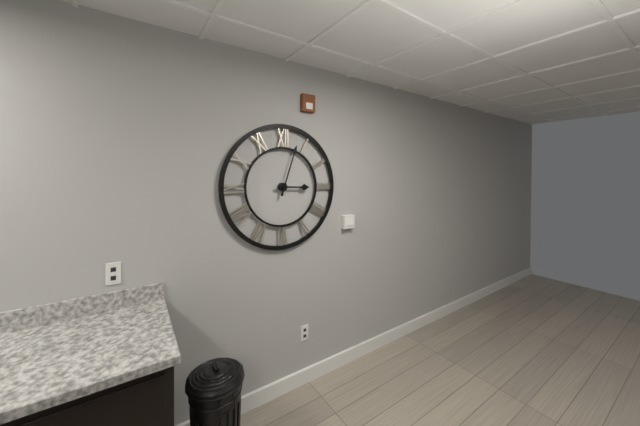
3:03
